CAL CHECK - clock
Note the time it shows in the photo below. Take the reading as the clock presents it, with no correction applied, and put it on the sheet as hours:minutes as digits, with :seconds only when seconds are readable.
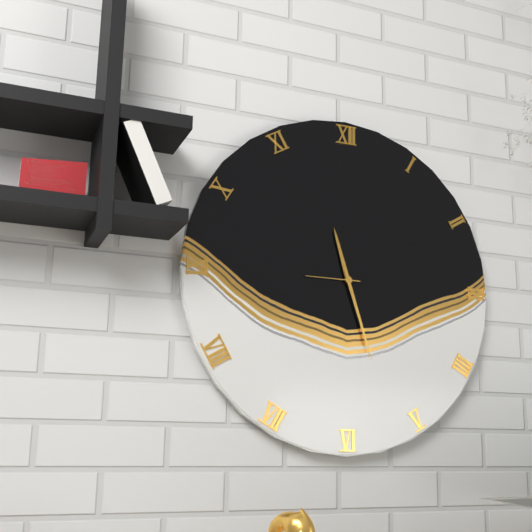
11:27
